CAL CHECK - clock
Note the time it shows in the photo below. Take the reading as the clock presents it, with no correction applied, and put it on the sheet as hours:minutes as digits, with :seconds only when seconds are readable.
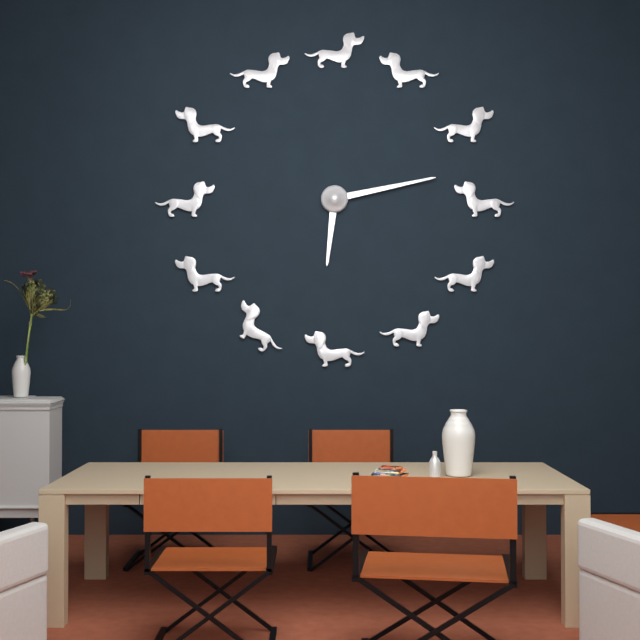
6:13
